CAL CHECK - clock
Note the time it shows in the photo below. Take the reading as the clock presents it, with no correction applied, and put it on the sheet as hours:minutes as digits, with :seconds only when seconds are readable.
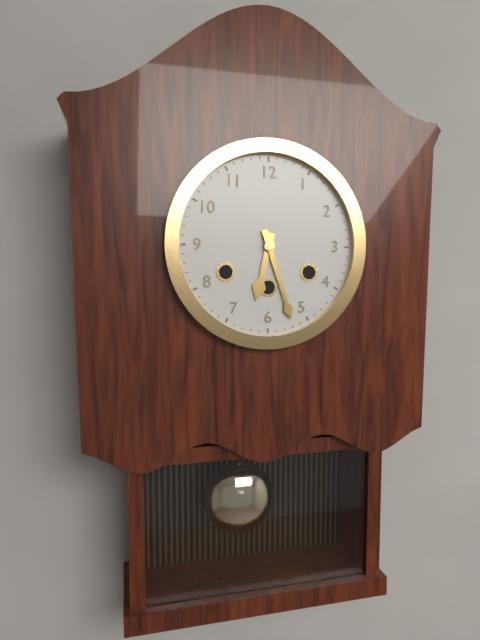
6:27
